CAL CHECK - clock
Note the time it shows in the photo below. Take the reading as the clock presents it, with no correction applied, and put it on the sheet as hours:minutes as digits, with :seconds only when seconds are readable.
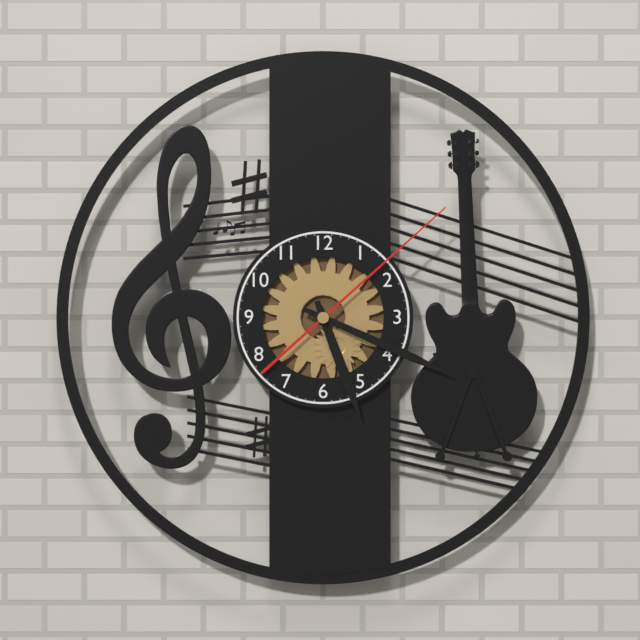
5:19:08
